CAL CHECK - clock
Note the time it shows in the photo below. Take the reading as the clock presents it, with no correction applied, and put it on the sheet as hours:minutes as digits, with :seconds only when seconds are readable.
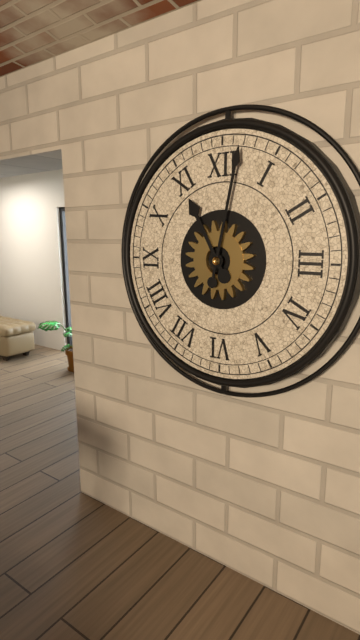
11:02
